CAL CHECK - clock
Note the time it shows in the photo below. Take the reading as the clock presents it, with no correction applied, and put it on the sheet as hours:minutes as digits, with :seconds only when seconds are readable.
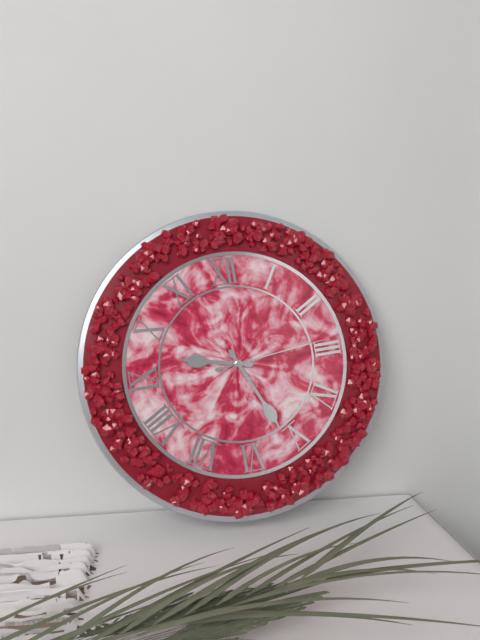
9:26:14
